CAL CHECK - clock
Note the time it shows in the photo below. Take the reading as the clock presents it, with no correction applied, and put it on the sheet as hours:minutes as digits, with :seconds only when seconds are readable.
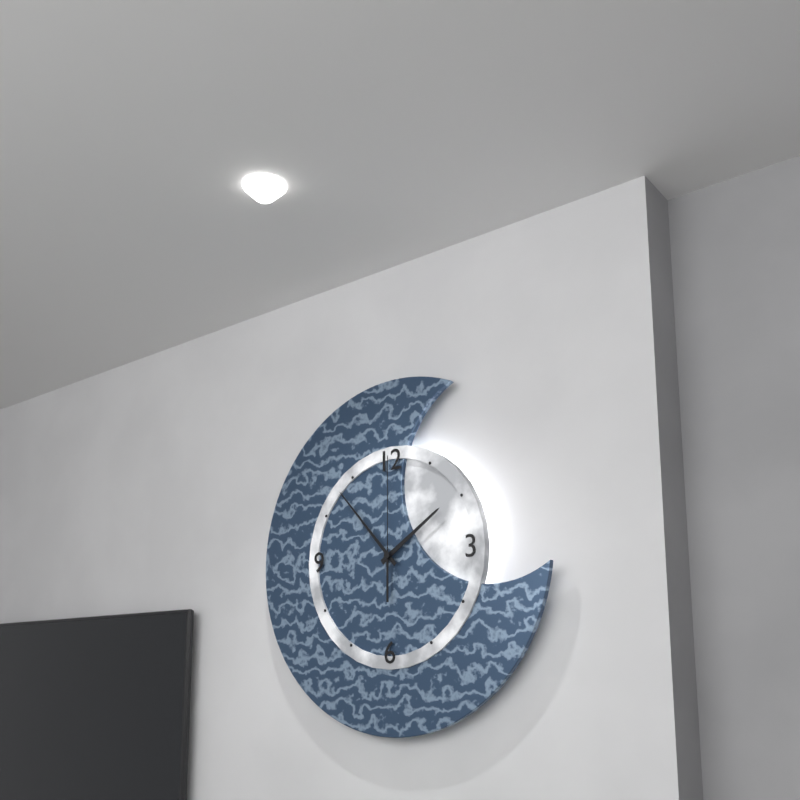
1:53:00
